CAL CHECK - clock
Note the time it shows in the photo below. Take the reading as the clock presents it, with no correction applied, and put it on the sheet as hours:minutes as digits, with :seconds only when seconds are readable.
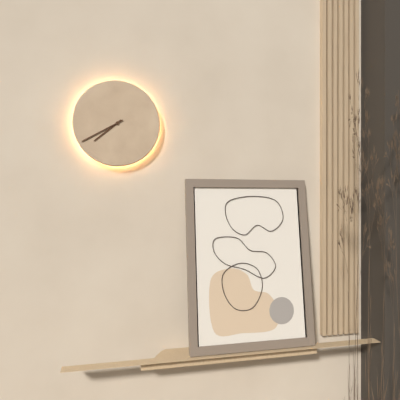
7:40
